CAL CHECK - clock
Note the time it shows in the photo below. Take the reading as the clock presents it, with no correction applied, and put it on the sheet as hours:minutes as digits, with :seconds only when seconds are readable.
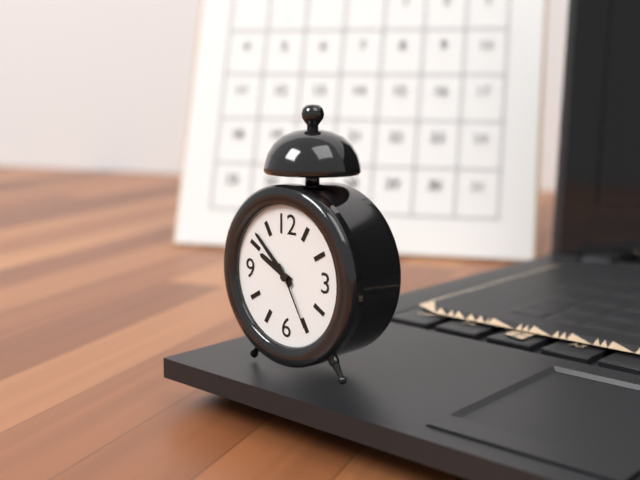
9:52:25
